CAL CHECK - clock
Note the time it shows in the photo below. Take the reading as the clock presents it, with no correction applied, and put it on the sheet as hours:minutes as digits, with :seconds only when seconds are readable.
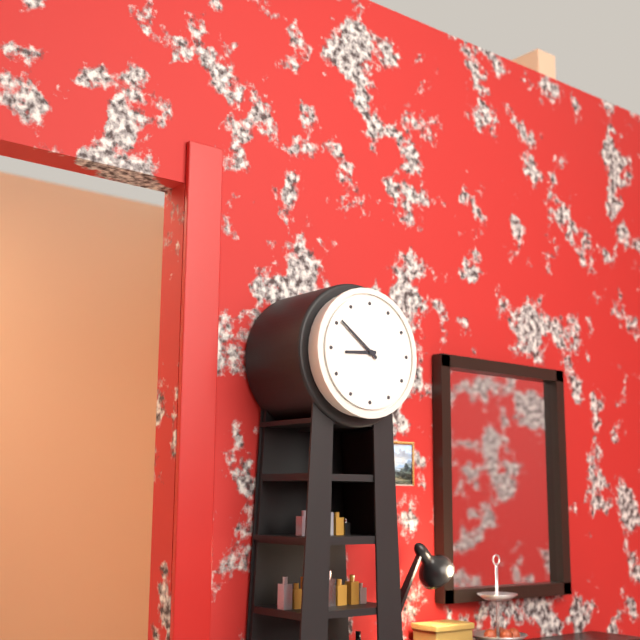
8:51
